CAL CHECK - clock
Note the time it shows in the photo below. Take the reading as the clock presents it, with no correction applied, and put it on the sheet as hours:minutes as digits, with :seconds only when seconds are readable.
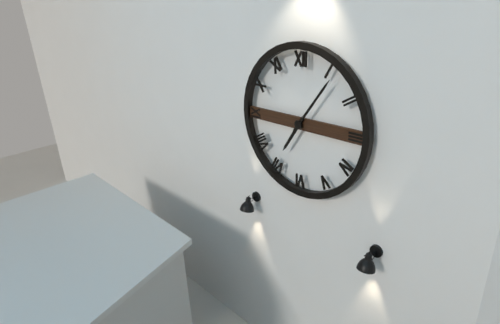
7:06
